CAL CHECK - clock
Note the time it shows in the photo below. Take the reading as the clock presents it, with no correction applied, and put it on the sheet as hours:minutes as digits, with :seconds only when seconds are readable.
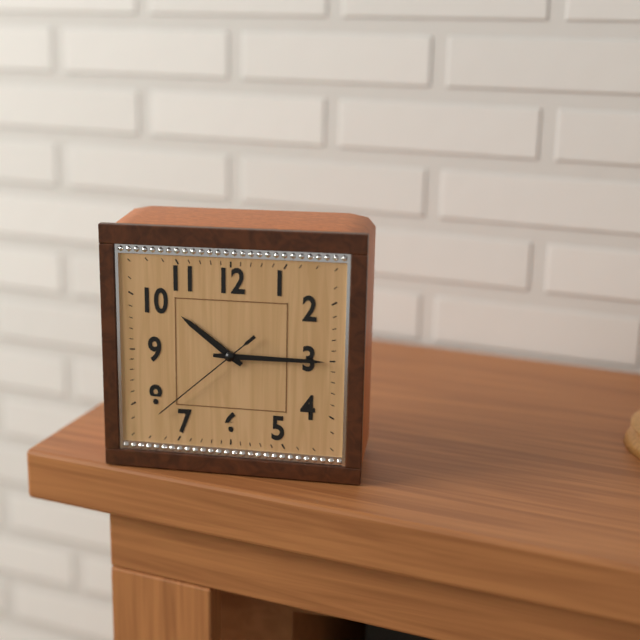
10:15:38
